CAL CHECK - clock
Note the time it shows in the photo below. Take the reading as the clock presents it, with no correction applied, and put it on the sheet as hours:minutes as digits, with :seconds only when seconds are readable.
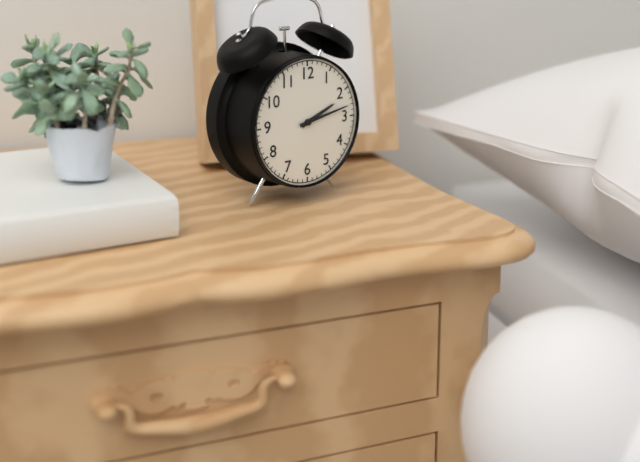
2:13
